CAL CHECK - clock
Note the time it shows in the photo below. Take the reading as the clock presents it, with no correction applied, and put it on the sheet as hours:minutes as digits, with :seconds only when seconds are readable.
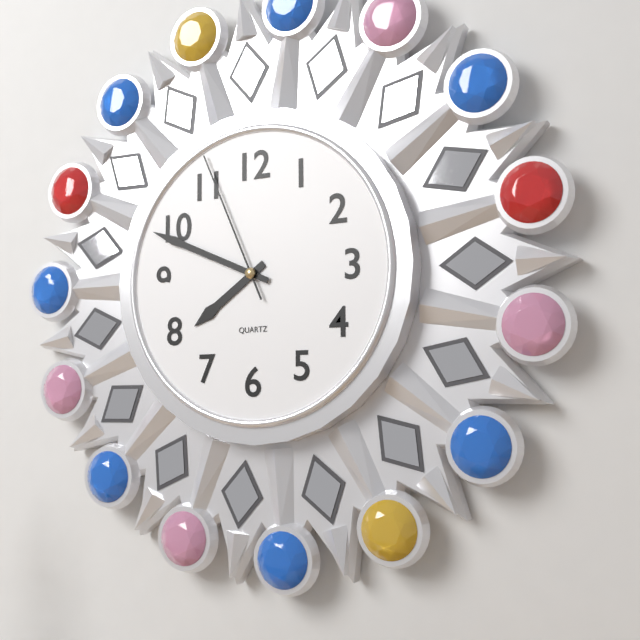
7:49:56
